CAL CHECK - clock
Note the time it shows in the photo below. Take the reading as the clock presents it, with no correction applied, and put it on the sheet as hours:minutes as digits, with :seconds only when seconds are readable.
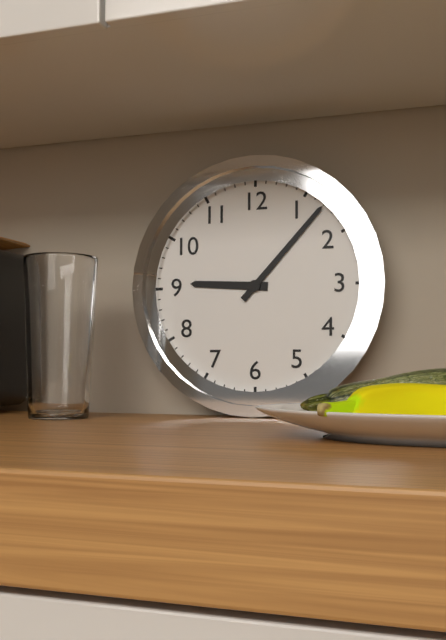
9:07
